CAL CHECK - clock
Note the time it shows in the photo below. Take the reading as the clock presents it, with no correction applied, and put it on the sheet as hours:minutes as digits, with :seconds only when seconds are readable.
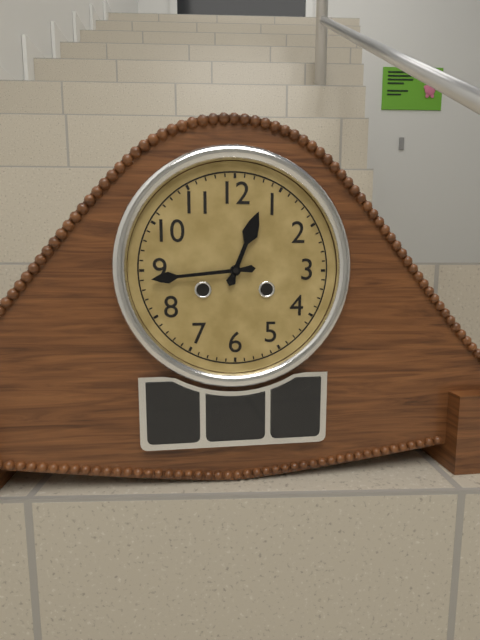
12:44
